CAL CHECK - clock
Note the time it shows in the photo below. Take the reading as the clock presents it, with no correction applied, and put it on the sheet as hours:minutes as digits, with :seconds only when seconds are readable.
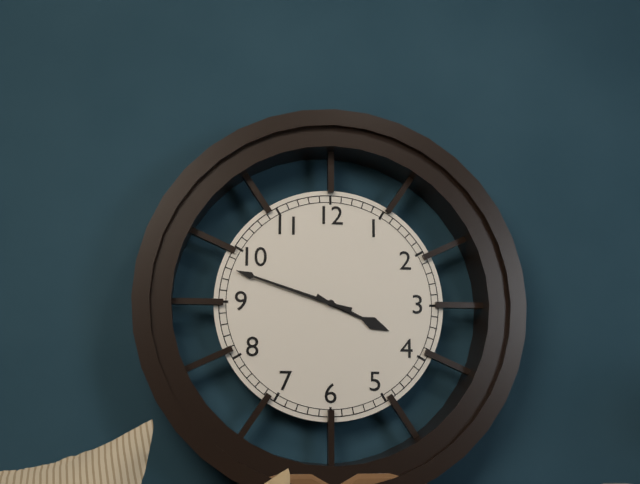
3:48
